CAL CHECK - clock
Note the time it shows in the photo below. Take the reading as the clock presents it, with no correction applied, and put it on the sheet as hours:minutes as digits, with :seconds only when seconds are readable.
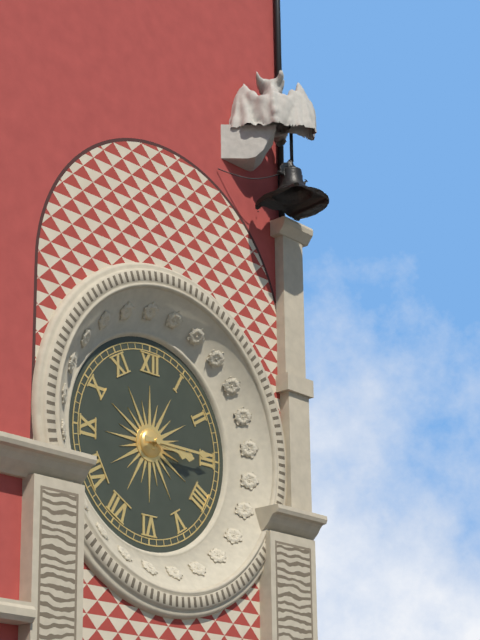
3:15
